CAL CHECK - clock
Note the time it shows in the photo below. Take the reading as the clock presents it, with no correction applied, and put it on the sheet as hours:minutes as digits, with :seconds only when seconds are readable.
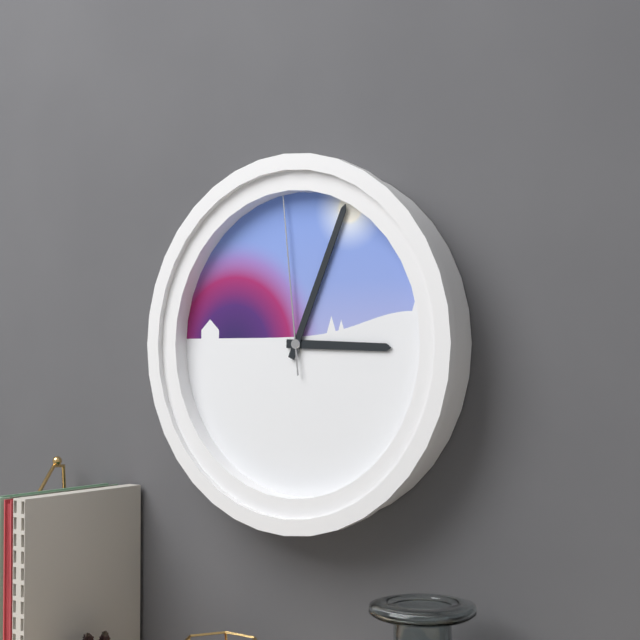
3:04:59
